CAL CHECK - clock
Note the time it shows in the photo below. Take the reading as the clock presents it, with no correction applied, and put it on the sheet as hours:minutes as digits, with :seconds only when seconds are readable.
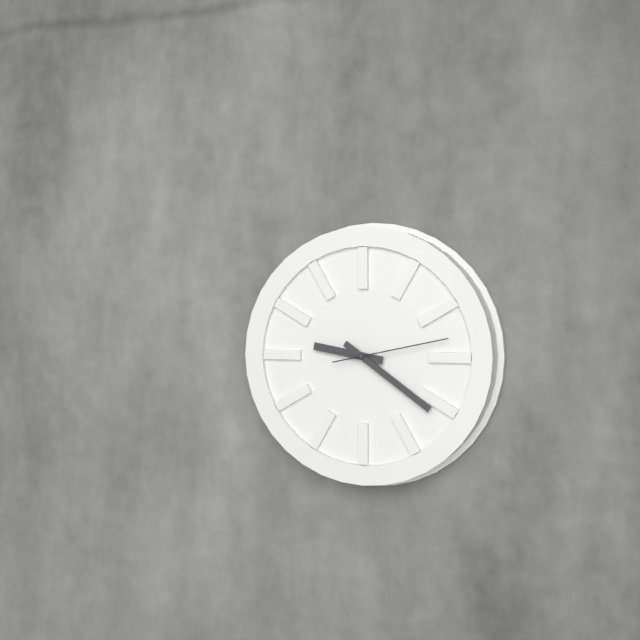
9:21:13
